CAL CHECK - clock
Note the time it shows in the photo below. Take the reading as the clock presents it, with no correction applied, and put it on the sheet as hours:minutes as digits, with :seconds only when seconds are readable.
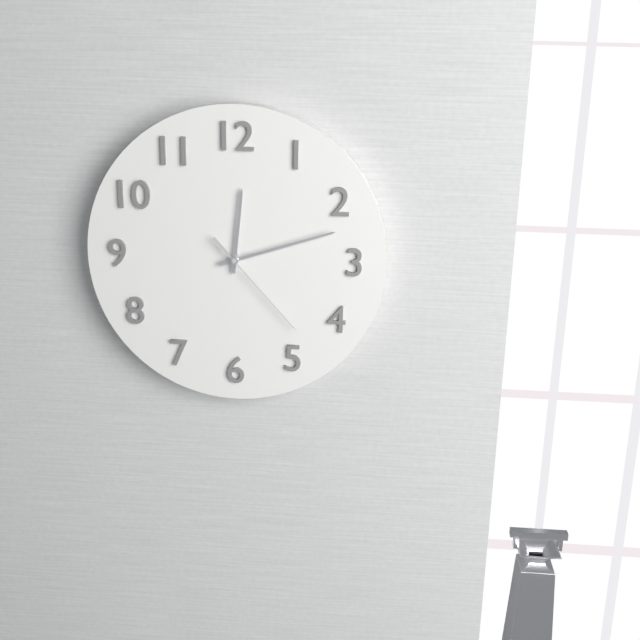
12:12:23
